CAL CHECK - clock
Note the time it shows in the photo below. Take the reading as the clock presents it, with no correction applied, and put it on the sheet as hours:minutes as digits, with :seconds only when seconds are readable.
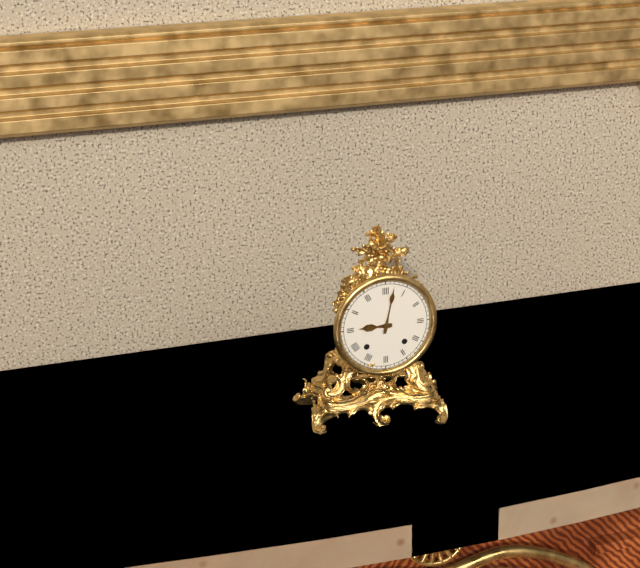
9:02
